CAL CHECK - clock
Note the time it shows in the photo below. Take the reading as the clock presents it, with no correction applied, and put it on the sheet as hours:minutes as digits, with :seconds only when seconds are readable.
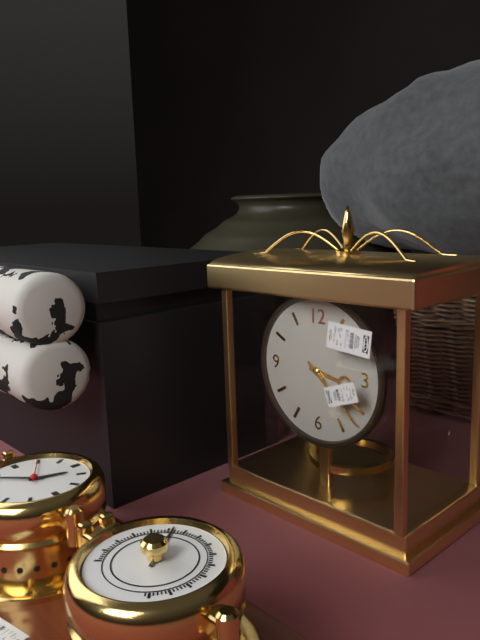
3:22
